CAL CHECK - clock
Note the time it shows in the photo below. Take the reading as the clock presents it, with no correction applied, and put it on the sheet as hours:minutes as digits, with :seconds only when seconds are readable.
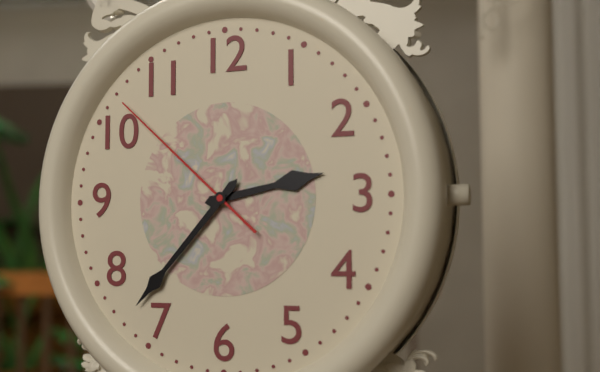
2:37:52
